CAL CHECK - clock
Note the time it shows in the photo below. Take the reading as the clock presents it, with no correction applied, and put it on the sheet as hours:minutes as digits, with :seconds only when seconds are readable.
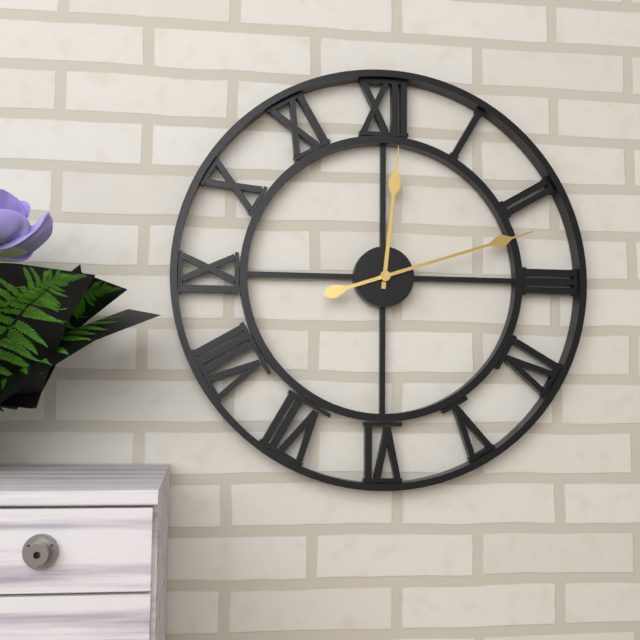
12:12
